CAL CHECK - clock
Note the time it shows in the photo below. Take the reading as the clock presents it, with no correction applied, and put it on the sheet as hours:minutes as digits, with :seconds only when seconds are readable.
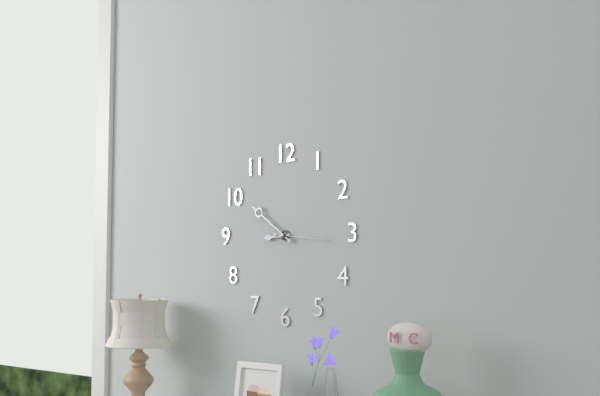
8:51:16
